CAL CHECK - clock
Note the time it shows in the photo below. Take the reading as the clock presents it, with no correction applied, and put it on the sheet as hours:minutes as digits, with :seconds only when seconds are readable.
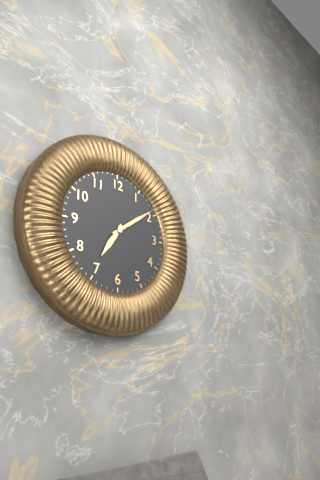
7:09
